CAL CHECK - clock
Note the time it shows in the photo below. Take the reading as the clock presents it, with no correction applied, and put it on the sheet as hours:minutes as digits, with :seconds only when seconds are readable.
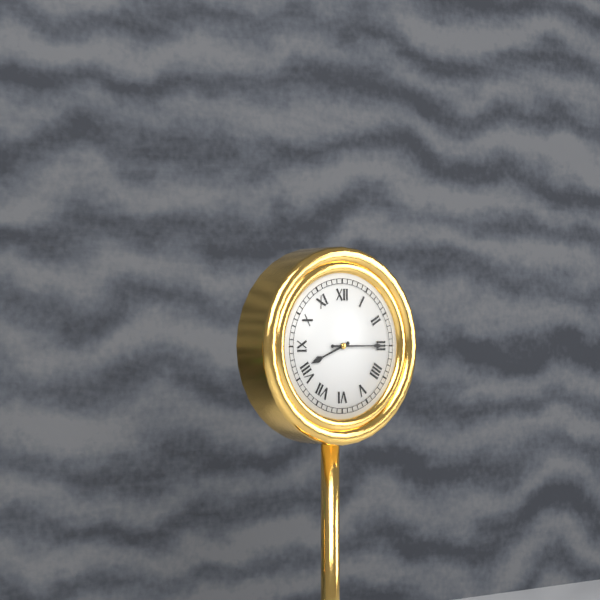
8:15
